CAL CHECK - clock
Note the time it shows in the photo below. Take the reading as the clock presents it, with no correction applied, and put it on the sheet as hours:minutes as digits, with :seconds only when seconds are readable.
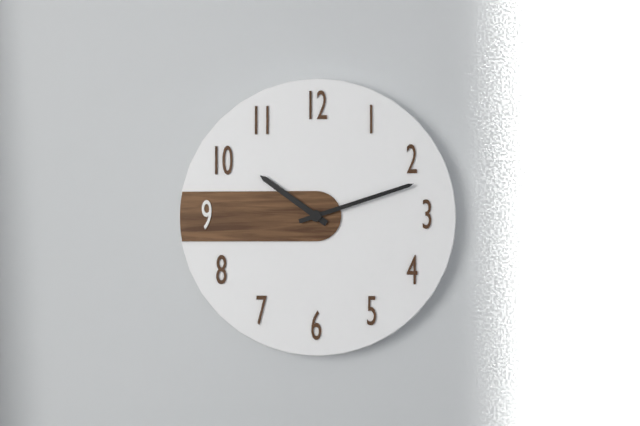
10:12
